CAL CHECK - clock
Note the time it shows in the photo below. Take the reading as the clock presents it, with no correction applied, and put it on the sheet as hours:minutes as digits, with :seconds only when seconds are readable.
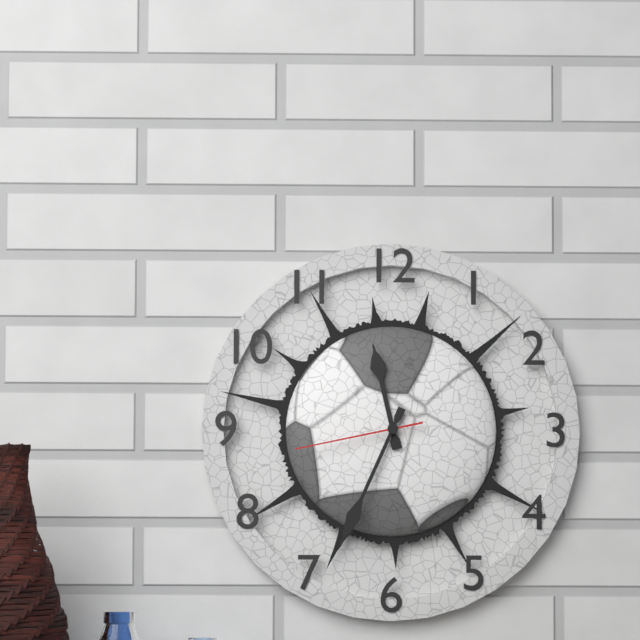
11:34:43
